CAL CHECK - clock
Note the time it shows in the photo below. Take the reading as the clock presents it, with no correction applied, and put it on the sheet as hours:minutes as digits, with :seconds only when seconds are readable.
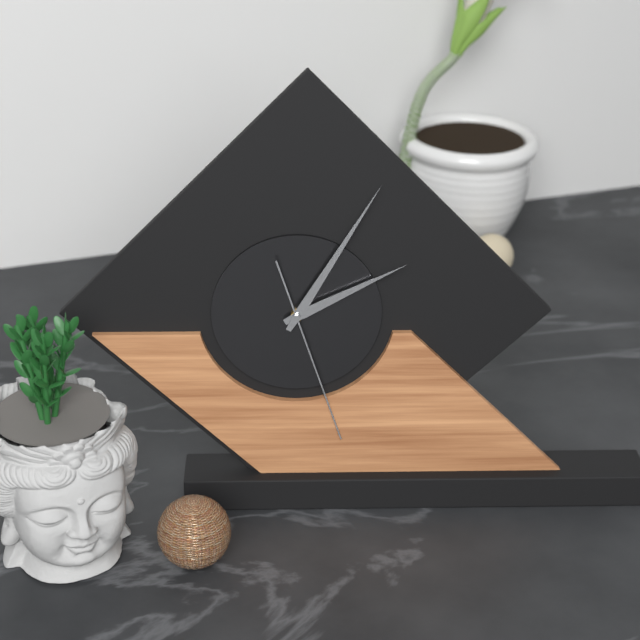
2:05:27
